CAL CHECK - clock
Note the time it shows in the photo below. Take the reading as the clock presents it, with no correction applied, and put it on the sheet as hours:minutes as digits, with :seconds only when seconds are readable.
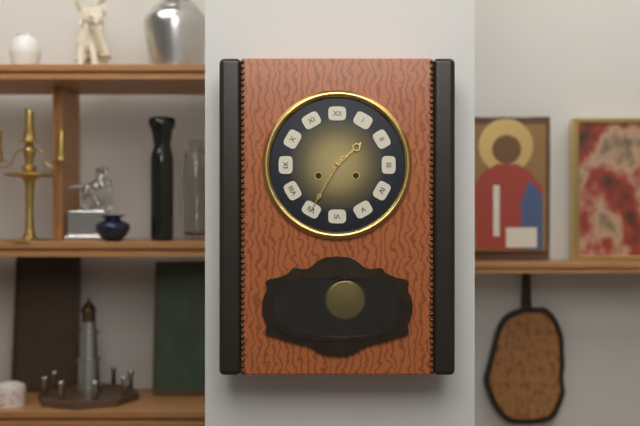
1:35
